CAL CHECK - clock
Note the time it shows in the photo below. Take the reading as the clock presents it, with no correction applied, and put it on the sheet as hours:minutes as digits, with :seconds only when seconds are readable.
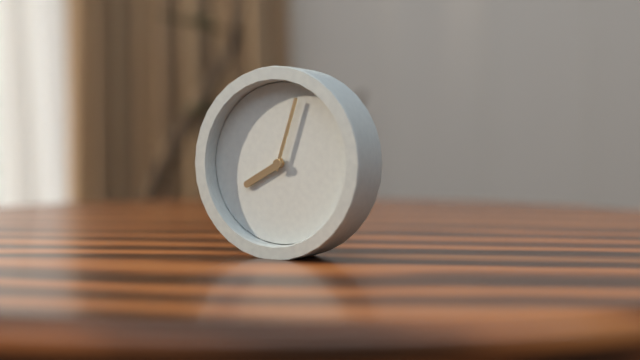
8:03
